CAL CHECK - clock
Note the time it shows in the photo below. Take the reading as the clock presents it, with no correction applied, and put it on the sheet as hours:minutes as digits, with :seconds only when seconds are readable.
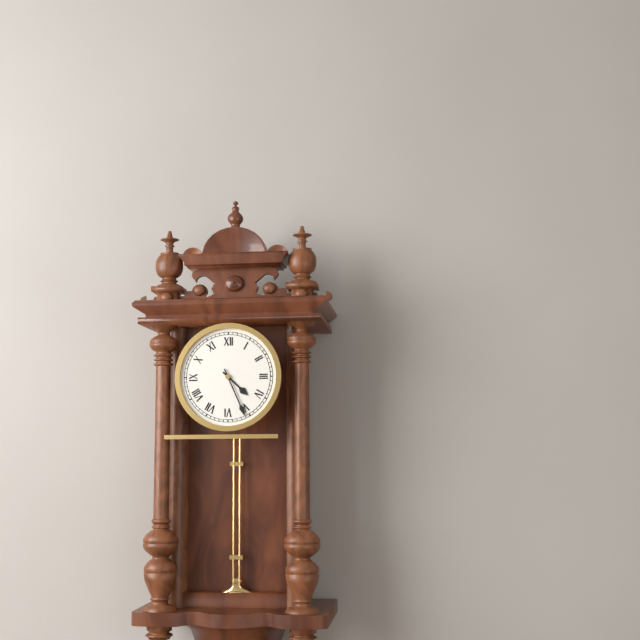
4:26
